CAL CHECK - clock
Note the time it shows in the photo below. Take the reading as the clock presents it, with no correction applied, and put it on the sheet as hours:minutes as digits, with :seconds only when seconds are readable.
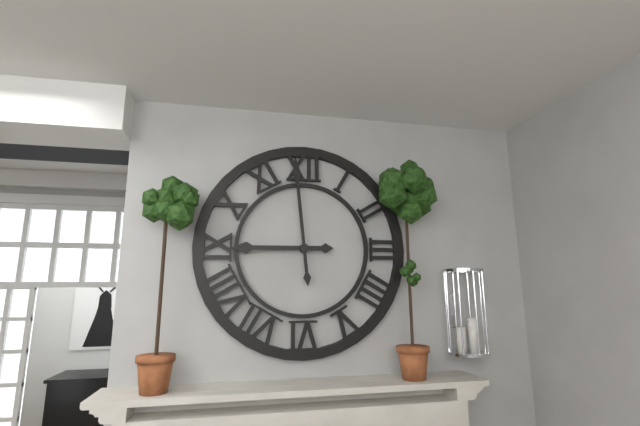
8:59
